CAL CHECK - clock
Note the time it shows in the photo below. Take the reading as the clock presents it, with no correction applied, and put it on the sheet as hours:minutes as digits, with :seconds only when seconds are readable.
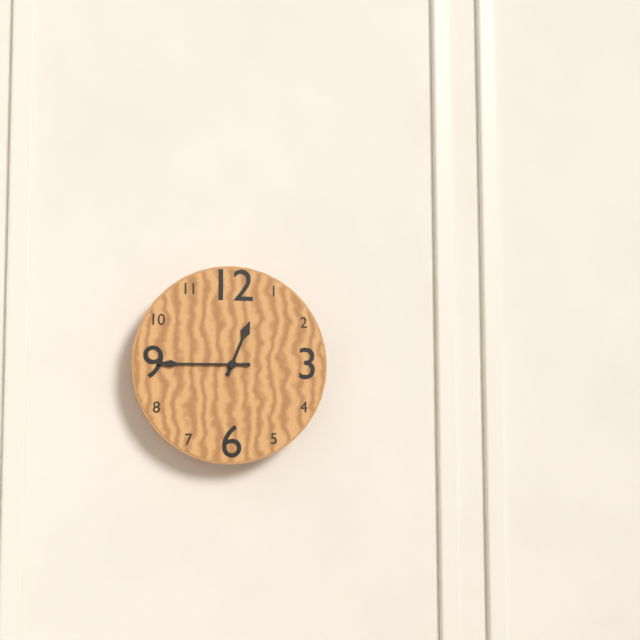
12:45
